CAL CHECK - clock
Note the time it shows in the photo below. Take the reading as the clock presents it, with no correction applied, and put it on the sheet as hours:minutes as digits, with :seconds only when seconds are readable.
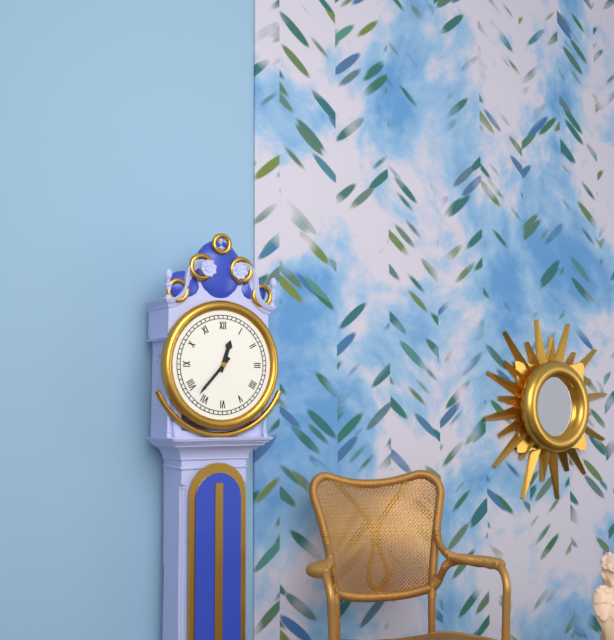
12:37
